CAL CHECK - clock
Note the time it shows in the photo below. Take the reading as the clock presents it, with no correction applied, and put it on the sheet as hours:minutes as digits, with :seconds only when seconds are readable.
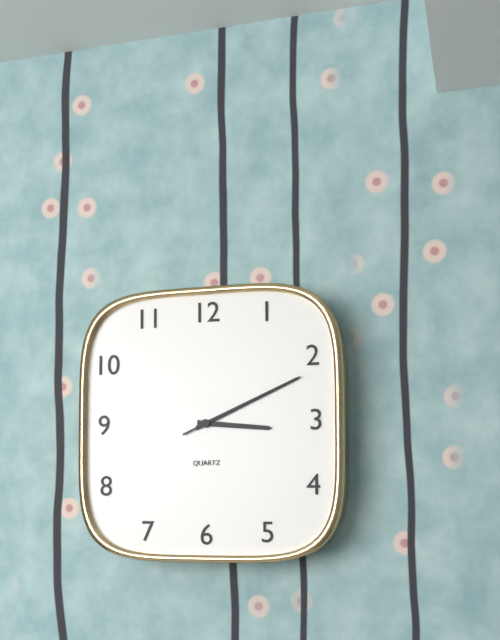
3:11:11
